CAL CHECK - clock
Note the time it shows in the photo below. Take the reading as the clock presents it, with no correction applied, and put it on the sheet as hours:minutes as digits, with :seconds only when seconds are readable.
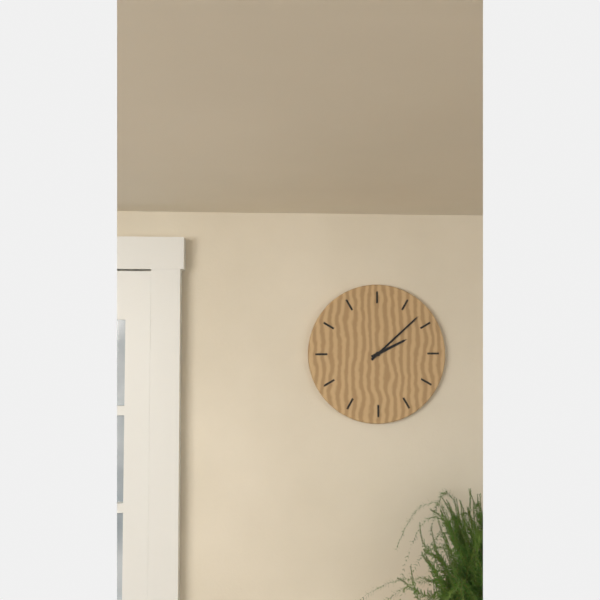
2:08
